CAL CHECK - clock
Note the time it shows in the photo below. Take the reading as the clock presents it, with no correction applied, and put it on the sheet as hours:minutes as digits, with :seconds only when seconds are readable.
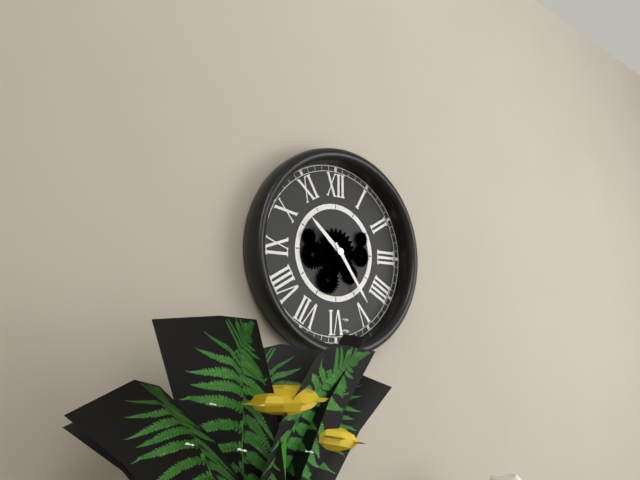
10:24
